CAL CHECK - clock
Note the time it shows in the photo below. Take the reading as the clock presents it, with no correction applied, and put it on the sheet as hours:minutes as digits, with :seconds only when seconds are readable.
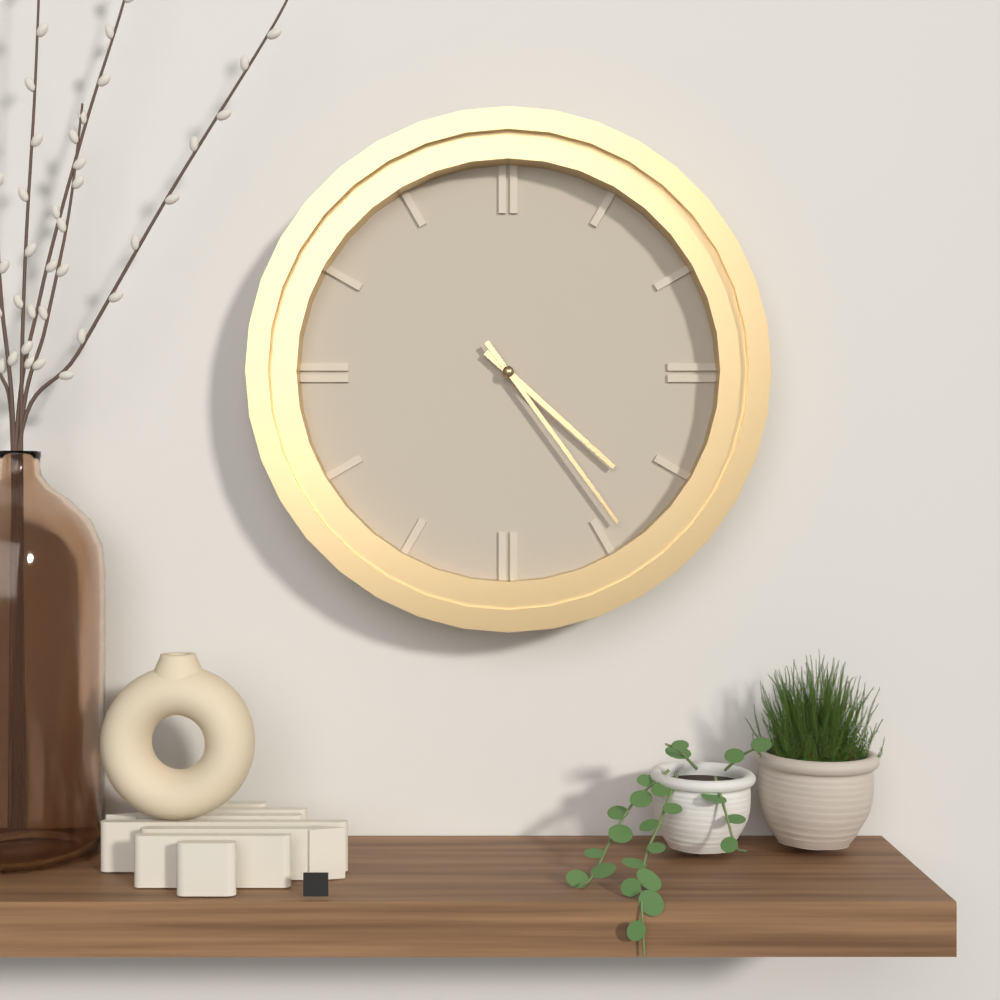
4:24
